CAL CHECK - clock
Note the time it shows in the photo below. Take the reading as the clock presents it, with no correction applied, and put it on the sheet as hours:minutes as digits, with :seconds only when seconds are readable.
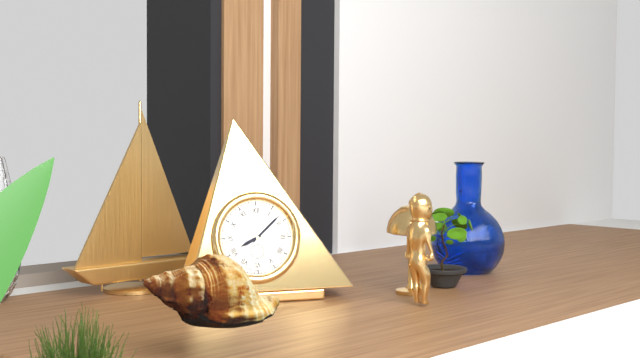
8:08
